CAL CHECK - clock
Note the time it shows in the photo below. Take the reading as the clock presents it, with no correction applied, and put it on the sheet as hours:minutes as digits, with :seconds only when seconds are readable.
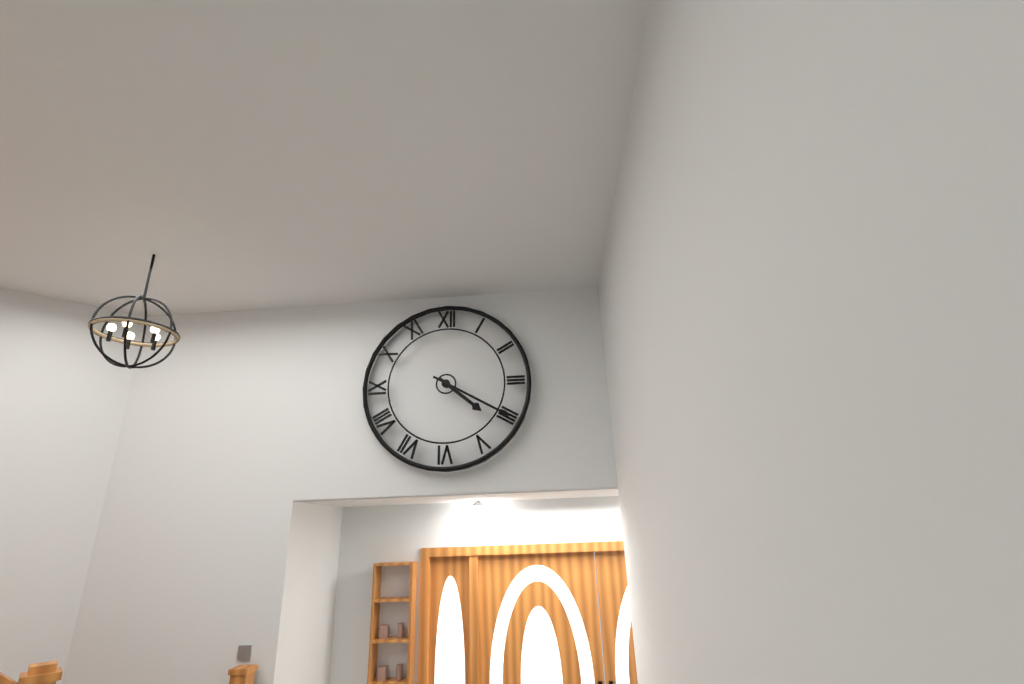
4:20
